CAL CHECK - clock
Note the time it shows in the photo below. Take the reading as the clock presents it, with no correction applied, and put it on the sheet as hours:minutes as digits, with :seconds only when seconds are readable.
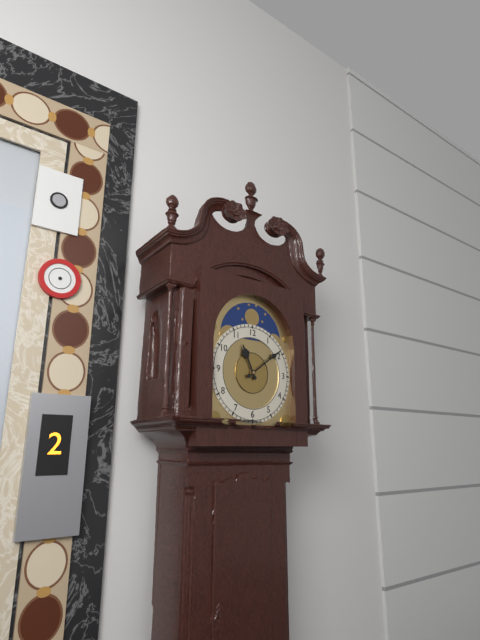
11:09
